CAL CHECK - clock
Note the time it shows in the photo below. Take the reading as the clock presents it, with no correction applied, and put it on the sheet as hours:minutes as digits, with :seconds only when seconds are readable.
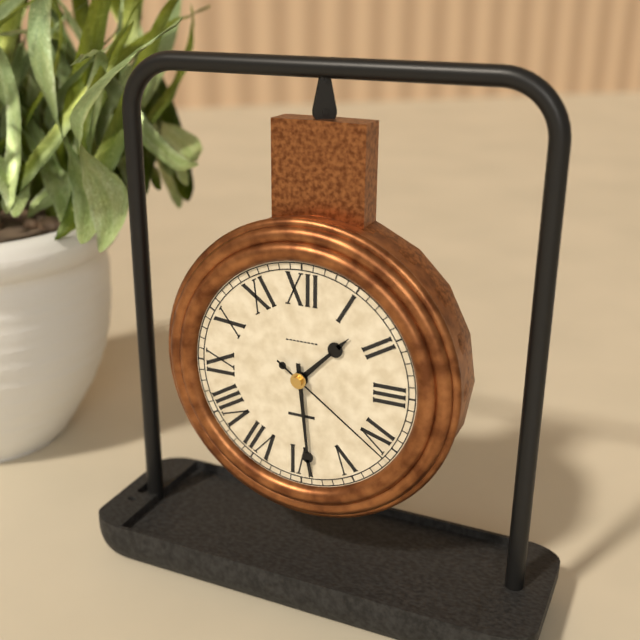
1:29:21
